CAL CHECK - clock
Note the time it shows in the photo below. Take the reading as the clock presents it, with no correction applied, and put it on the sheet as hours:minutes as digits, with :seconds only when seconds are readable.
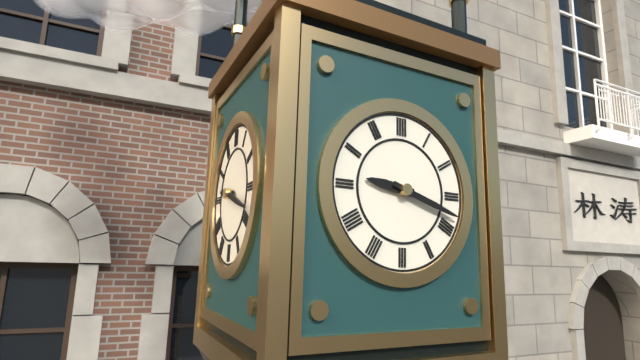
9:18
